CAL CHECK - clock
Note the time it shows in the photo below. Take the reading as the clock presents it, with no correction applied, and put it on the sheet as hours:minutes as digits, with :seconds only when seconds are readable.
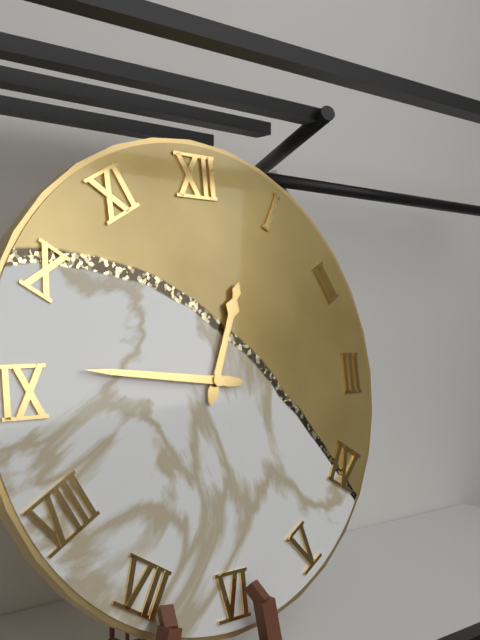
12:46
